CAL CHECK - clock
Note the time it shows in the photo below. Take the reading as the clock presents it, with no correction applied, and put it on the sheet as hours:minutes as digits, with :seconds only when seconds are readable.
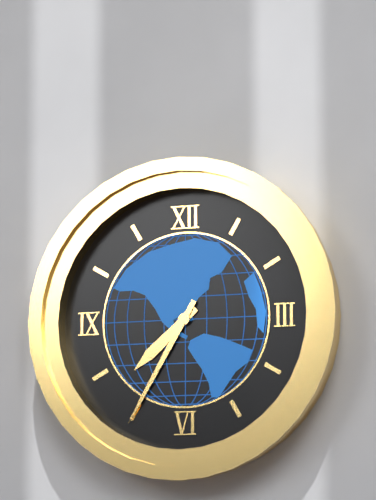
7:35
